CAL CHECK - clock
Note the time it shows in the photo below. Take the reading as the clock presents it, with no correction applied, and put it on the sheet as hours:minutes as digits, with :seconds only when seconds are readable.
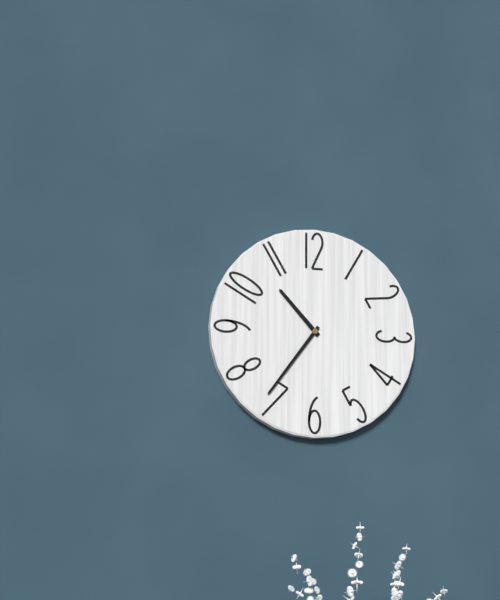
10:36
